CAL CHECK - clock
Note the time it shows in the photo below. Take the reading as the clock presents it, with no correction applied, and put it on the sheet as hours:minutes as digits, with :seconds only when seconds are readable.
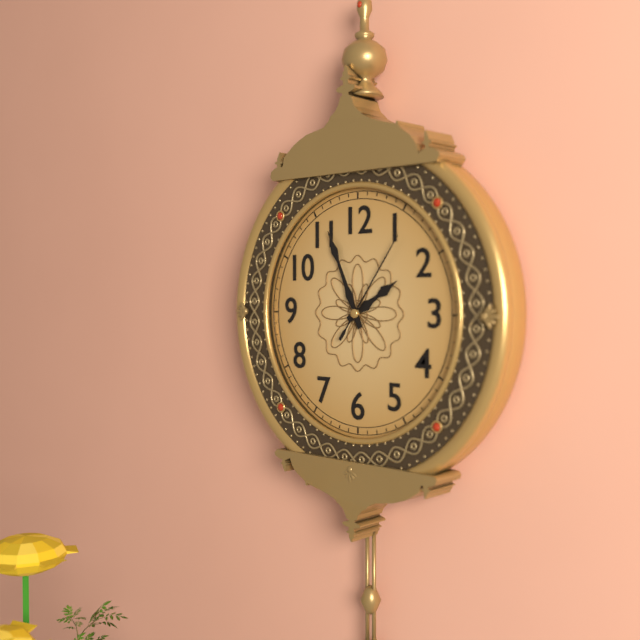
1:56:06
